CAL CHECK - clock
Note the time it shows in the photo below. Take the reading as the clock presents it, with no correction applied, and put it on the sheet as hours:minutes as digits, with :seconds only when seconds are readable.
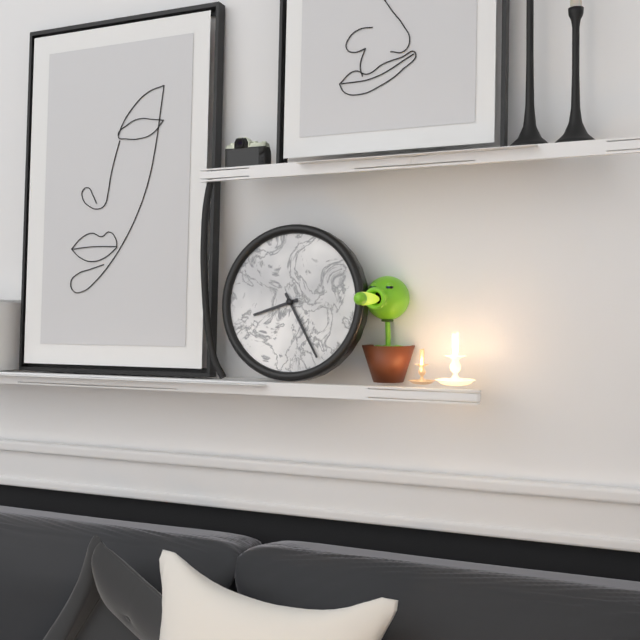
8:25
